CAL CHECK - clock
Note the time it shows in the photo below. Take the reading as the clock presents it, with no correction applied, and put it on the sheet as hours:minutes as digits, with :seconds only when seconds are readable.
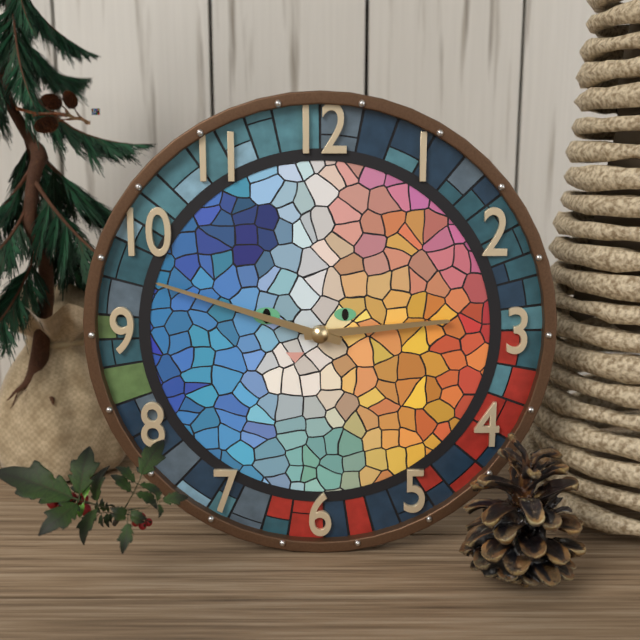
2:48
